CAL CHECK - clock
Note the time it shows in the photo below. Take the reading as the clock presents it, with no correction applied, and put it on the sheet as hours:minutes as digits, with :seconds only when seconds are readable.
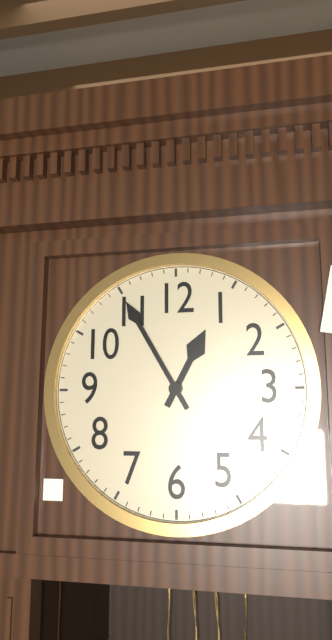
12:55
